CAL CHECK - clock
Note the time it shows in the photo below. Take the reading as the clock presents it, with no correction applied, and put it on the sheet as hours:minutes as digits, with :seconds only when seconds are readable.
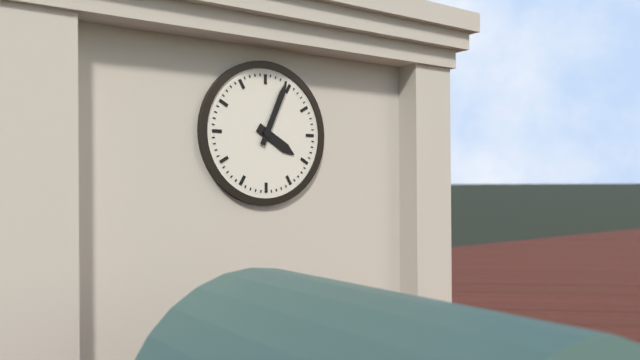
4:04
